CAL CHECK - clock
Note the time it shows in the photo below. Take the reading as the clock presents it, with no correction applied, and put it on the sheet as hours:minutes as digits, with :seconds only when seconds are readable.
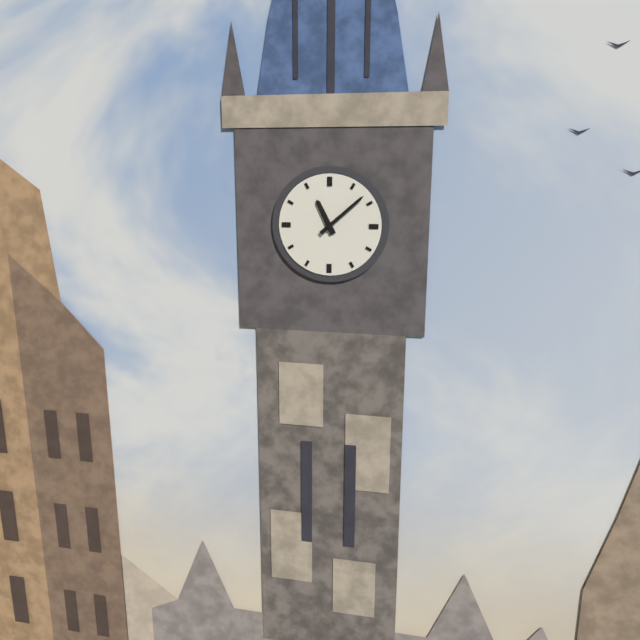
11:08
